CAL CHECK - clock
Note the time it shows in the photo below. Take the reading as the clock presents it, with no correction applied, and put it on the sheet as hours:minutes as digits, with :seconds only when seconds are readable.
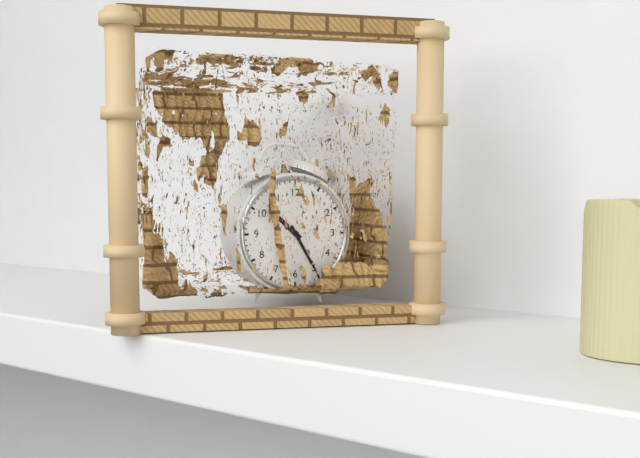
10:25
